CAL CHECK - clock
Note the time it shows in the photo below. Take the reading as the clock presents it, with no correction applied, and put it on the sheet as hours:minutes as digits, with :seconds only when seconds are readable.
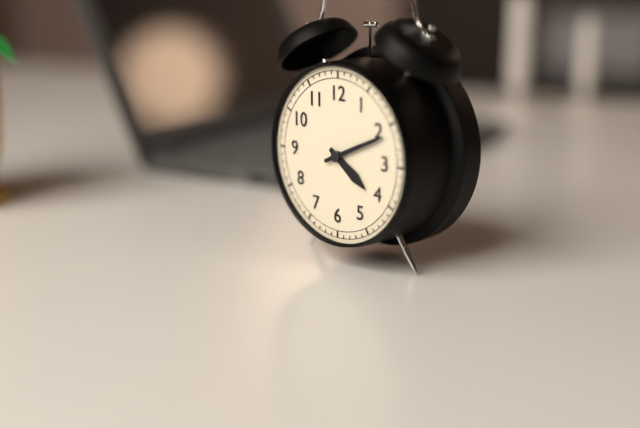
4:11
